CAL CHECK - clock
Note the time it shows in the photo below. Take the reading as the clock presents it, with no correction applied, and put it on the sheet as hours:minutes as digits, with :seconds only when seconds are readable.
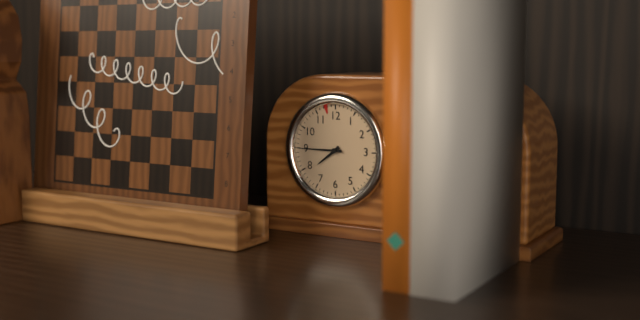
7:45
